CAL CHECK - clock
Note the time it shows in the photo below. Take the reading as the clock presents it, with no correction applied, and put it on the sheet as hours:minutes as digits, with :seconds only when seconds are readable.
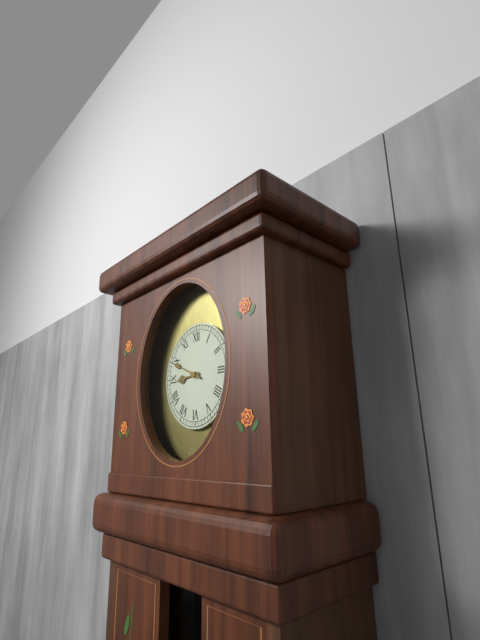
8:49
